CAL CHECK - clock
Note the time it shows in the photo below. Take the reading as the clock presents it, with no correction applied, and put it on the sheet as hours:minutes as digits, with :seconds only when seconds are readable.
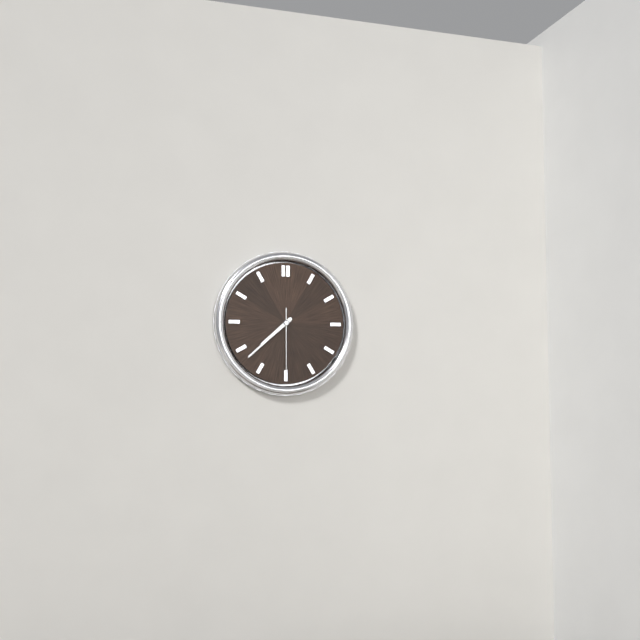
7:38:30
